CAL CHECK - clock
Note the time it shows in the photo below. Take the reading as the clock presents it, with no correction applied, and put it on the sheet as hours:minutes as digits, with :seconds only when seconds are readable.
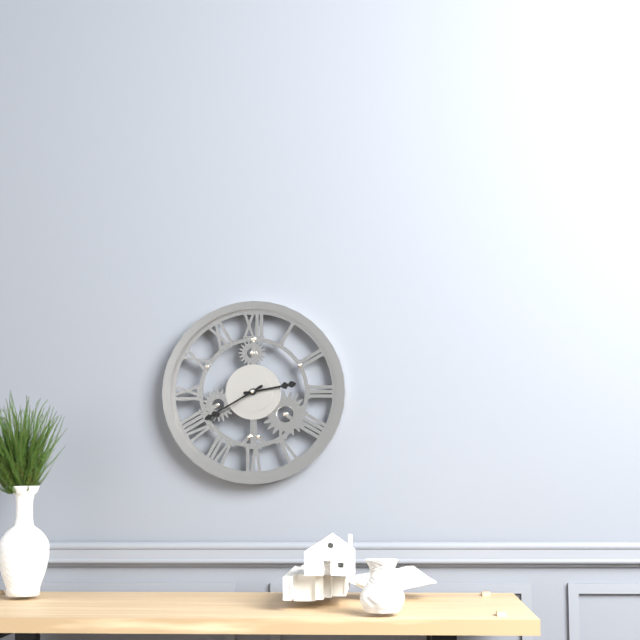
2:40
